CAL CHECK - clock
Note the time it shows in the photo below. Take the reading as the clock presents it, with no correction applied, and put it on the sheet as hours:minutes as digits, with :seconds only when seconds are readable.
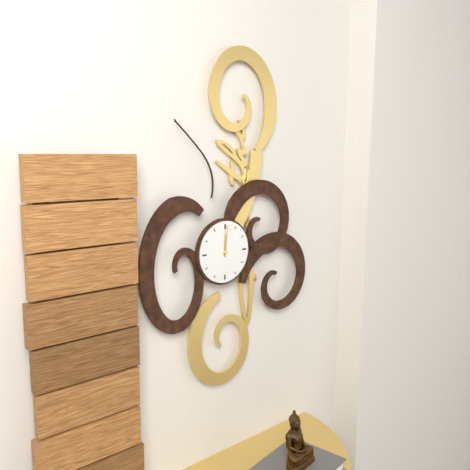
12:01
